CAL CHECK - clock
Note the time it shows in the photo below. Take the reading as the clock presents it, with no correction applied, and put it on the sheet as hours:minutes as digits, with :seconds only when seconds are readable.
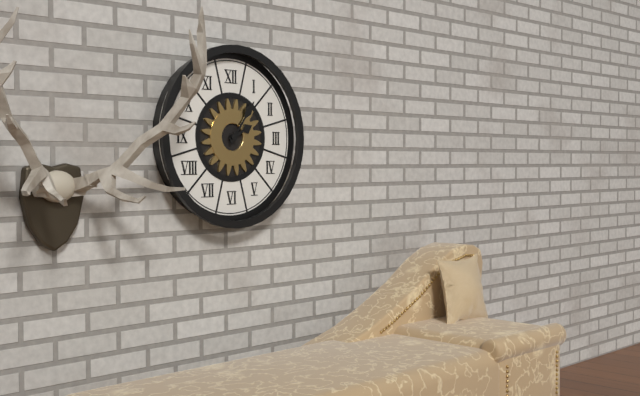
2:06
